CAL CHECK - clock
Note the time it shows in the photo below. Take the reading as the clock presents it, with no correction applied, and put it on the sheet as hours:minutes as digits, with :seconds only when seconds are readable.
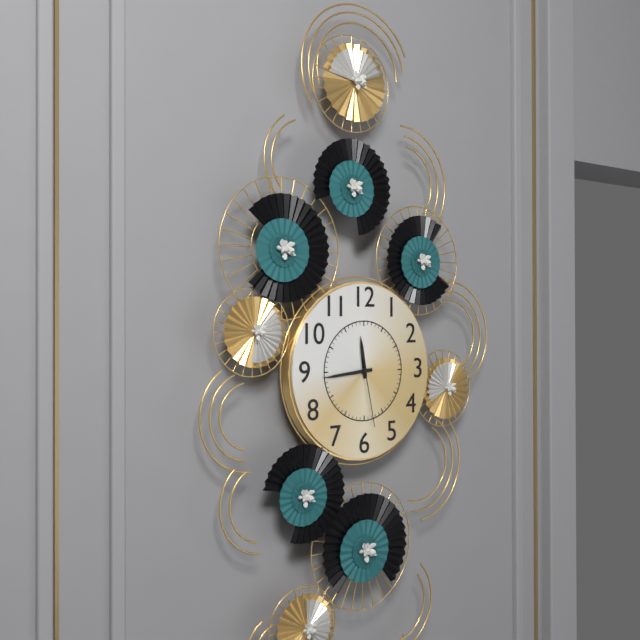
11:44:28
